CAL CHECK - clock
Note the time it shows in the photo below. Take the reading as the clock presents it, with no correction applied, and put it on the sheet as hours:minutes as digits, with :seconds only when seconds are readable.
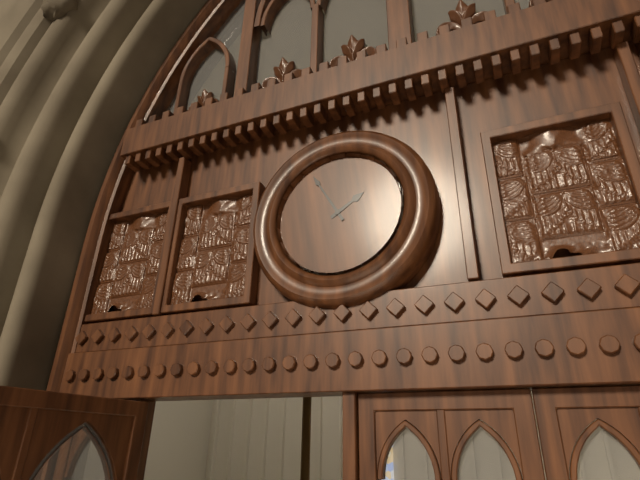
1:55
